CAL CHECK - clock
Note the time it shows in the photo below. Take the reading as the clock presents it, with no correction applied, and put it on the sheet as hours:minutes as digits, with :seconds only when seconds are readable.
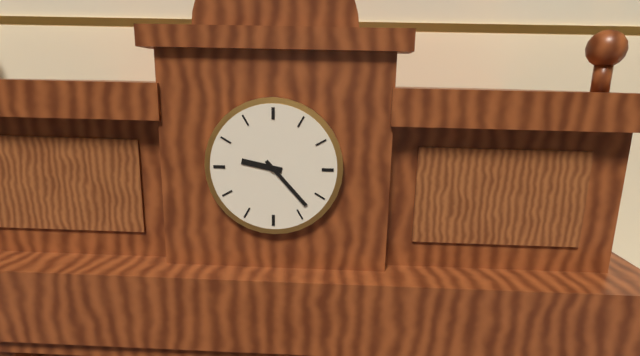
9:23
